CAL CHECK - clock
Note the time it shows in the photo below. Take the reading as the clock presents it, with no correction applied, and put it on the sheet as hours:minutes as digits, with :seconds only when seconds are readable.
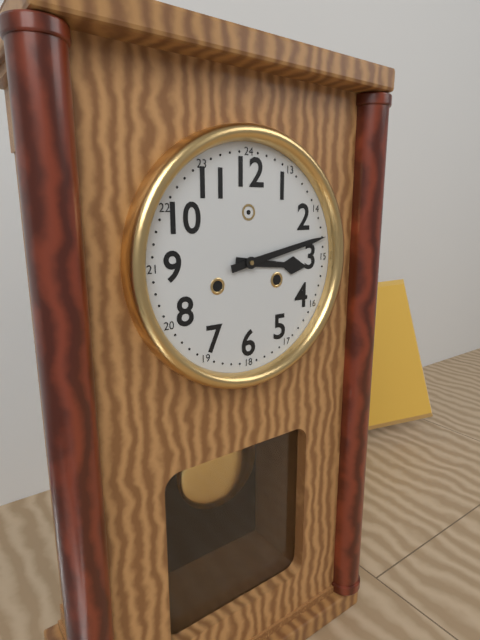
3:13
